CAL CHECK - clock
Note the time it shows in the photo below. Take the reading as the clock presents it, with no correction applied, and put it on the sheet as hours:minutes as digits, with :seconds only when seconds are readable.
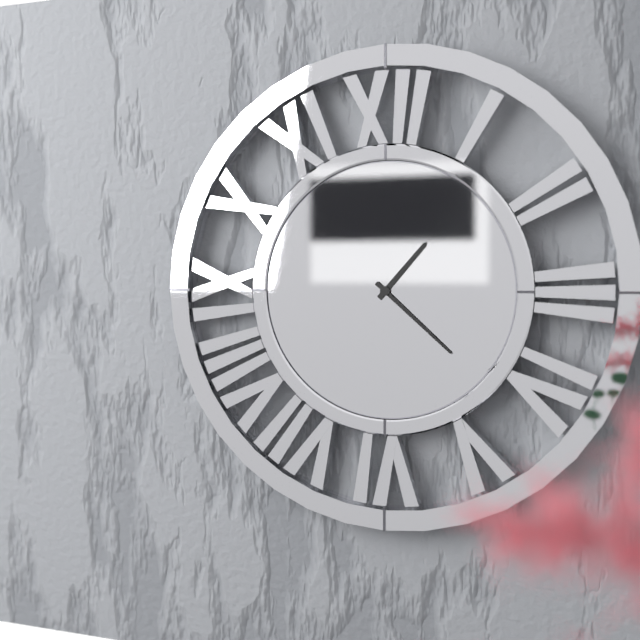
1:22
